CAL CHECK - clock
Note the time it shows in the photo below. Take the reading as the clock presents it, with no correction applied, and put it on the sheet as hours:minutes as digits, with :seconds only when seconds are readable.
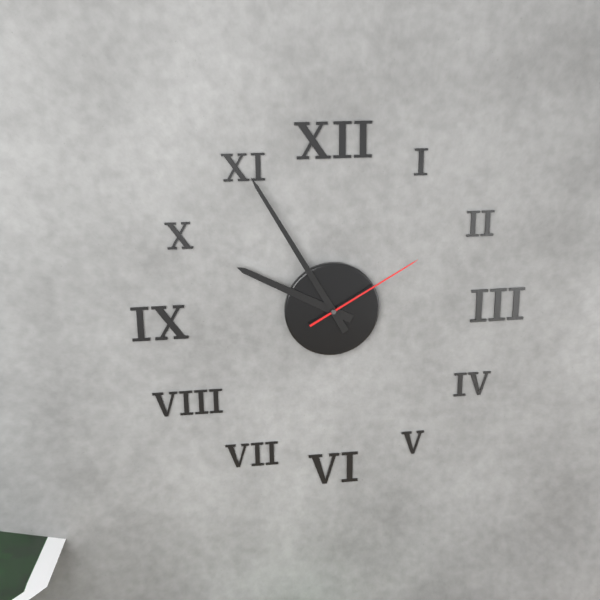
9:55:10
